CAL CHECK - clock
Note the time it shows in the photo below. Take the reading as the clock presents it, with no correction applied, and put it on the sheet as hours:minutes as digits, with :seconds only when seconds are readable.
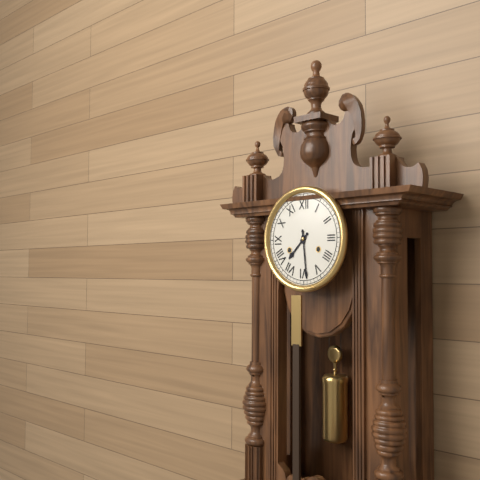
7:29
